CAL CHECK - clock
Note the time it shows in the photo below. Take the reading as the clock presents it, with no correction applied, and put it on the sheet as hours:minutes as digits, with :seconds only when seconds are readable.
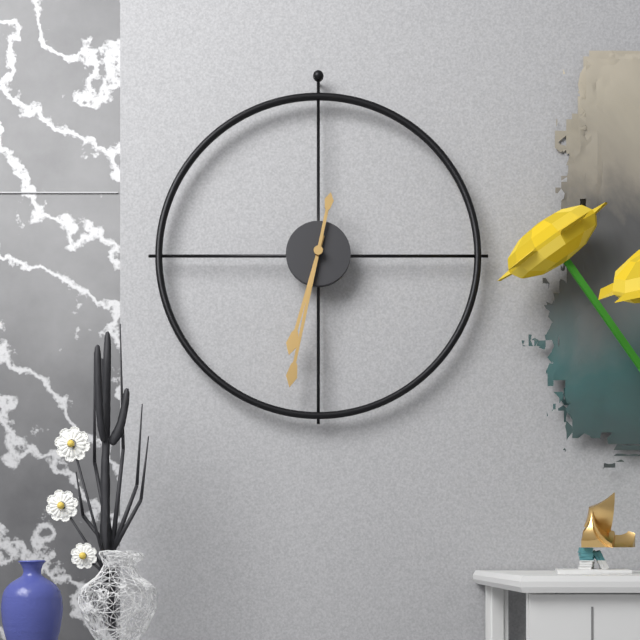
6:32
